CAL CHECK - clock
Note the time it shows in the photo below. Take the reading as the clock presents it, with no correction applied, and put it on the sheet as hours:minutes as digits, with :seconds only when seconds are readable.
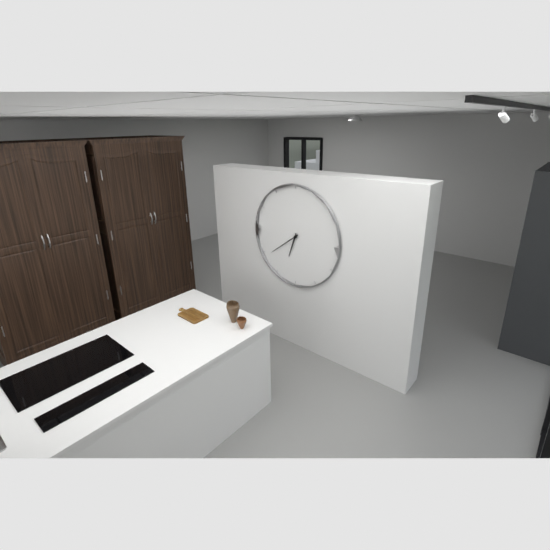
6:39
